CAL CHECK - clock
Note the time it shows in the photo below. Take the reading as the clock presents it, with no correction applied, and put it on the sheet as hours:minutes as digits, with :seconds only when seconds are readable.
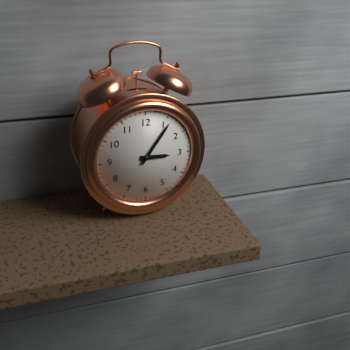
3:06
